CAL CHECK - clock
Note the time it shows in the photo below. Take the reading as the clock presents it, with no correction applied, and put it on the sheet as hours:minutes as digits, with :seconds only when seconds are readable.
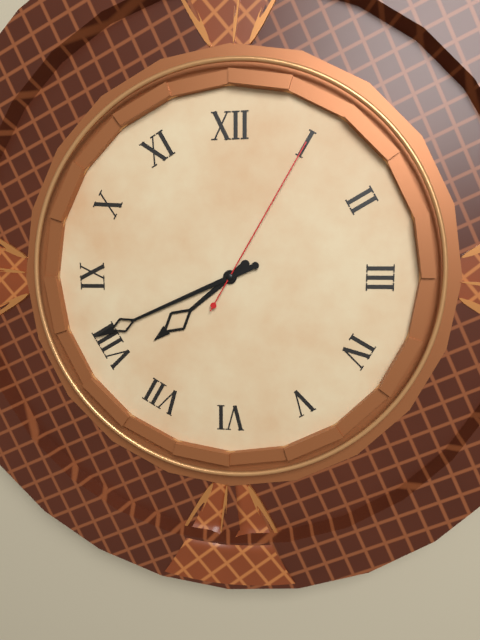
7:41:05
